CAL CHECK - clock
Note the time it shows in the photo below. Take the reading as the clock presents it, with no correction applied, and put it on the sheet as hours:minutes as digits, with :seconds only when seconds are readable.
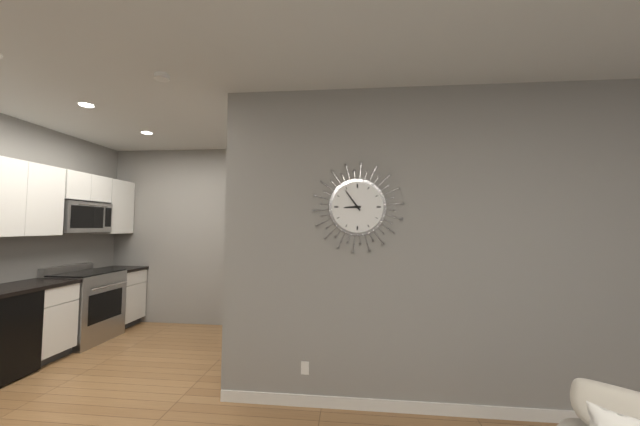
8:54
